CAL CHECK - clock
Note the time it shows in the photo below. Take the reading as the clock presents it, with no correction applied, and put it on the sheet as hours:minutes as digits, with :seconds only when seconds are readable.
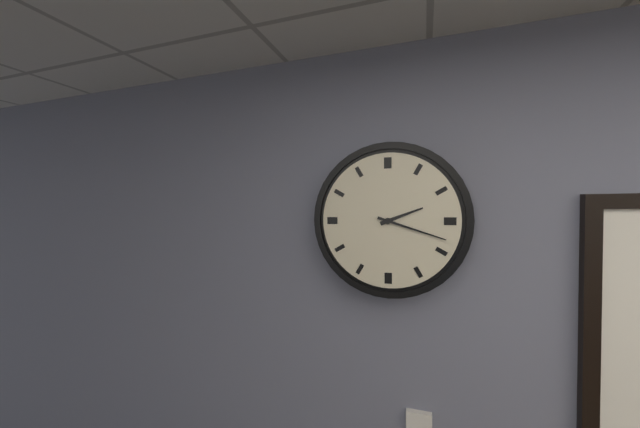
2:18
